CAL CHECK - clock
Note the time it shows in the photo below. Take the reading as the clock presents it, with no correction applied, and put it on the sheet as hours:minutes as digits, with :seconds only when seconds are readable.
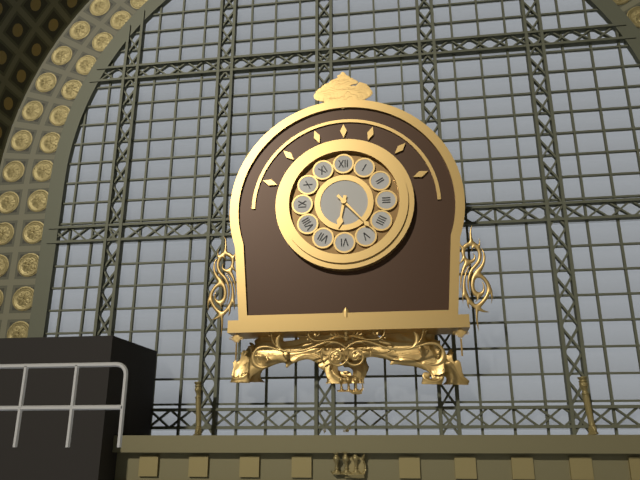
6:23
